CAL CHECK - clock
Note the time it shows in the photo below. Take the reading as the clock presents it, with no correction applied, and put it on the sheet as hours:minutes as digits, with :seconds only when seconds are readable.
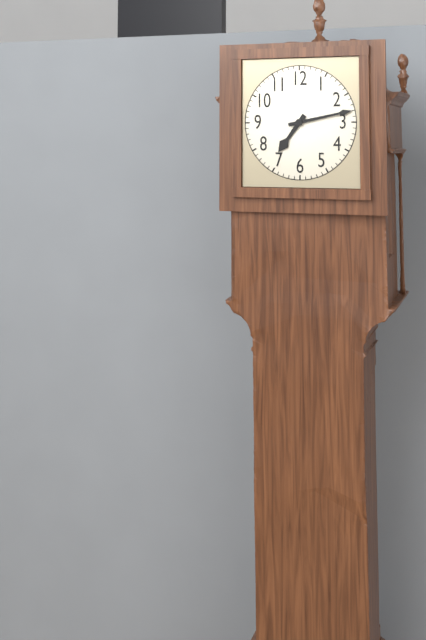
7:13
